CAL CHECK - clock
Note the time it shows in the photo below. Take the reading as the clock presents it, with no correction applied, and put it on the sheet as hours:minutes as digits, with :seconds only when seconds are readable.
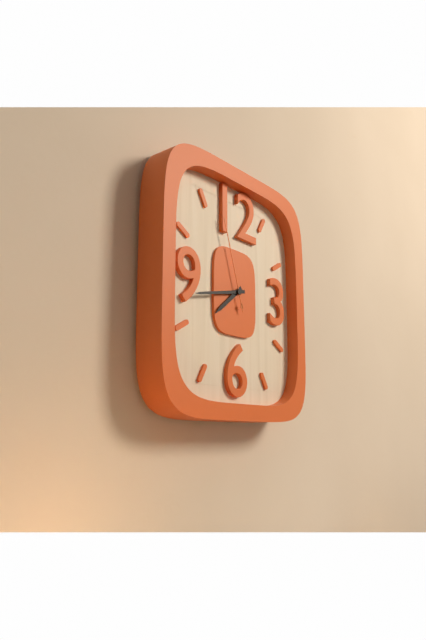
7:43:57
